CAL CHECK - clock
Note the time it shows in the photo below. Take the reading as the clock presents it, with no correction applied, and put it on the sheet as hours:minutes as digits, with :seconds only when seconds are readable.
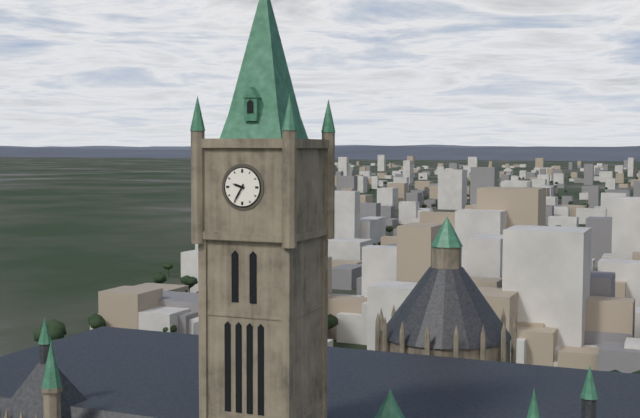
9:35
